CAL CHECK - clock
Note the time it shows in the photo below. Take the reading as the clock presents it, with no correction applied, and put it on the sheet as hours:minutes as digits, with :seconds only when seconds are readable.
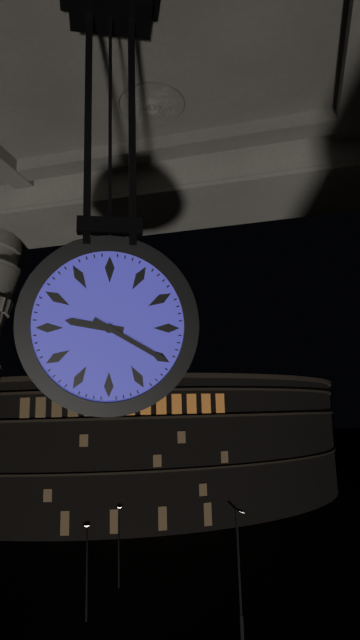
9:20
